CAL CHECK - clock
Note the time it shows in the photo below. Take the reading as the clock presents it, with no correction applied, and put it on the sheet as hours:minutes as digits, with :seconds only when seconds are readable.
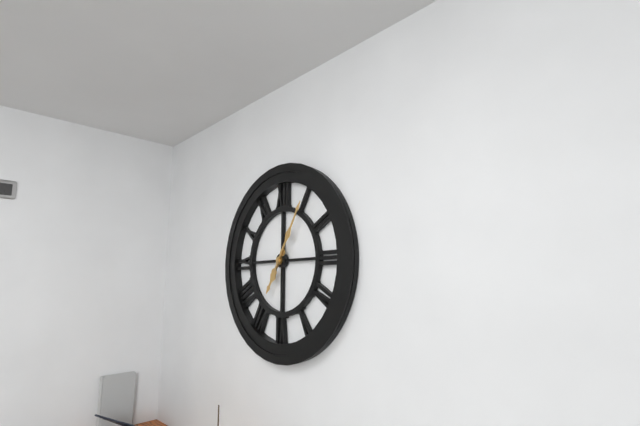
7:05
